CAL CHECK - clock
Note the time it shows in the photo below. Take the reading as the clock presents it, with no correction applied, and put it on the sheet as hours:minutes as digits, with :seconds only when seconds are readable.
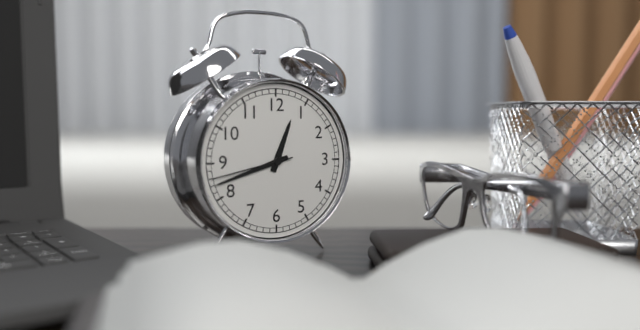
12:42:43
